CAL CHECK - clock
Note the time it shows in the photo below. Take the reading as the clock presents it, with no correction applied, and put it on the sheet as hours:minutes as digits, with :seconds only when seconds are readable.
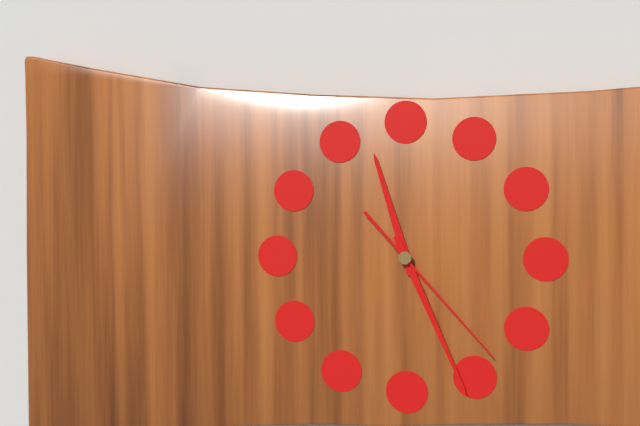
11:26:23
